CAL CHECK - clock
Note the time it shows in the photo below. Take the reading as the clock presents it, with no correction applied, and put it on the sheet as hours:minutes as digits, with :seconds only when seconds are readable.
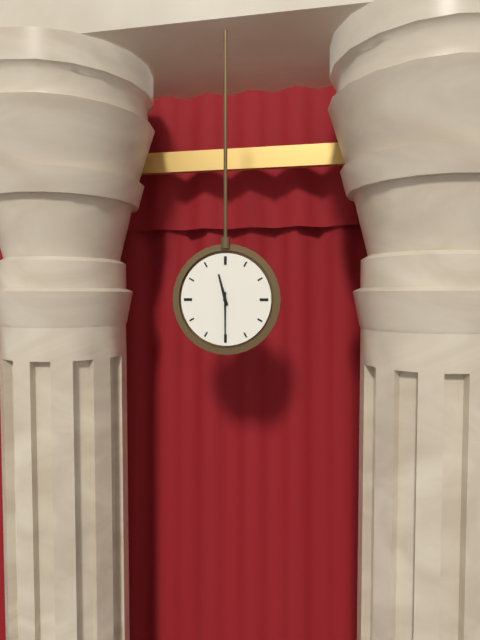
11:30
